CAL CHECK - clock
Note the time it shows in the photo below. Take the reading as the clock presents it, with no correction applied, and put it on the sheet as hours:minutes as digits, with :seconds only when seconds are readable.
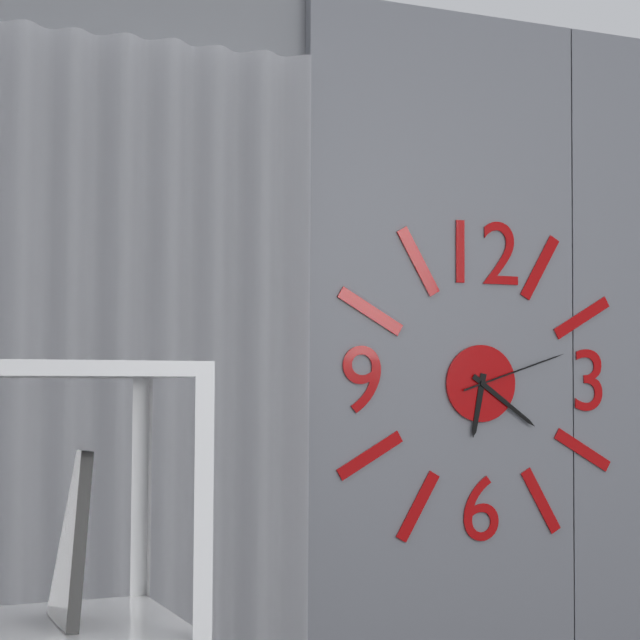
6:21:12
